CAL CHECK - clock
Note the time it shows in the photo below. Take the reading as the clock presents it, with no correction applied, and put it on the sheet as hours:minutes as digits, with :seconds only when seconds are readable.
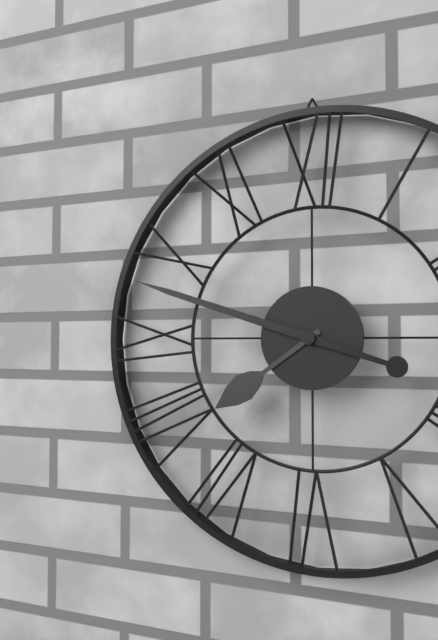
7:48
